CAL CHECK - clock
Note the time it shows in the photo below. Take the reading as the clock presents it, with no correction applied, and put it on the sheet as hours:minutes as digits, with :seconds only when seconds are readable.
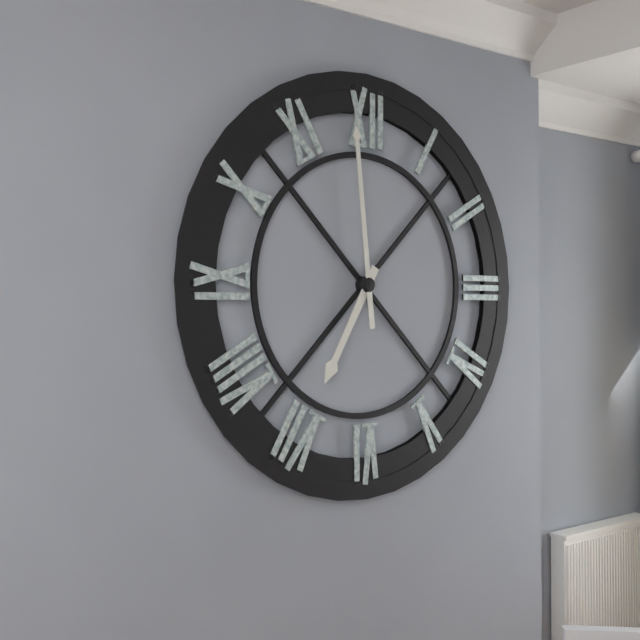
6:59
